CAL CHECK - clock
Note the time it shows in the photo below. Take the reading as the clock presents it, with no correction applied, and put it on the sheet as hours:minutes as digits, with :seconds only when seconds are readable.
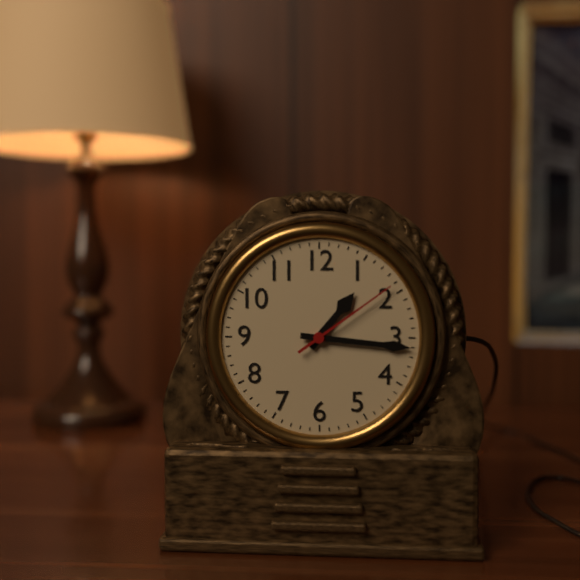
1:16:09
